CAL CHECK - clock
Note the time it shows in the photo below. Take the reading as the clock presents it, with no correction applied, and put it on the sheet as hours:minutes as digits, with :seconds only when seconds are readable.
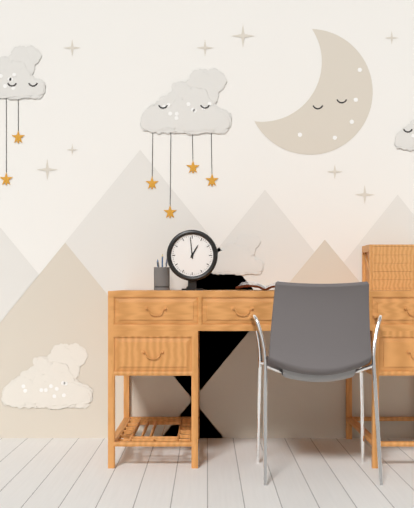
12:59
